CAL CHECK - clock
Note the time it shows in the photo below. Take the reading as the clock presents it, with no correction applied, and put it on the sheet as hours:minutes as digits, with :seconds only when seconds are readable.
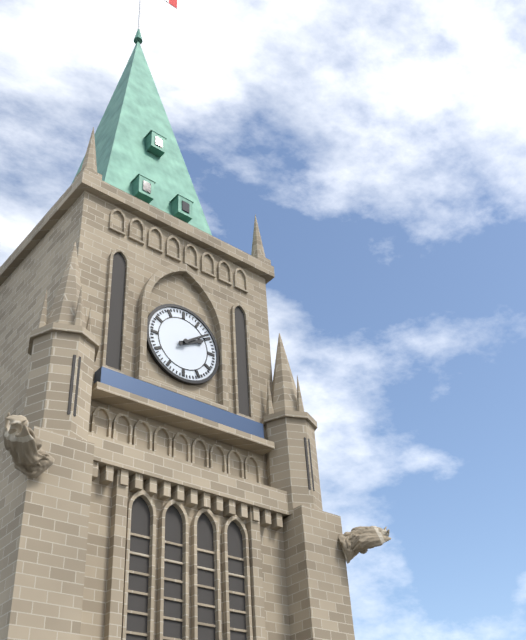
2:09
